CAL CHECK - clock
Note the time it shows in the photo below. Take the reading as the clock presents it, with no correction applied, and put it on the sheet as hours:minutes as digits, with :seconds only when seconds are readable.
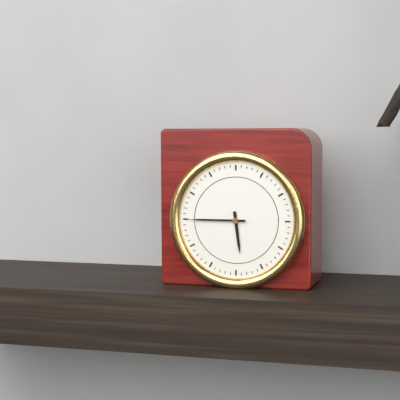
5:45
